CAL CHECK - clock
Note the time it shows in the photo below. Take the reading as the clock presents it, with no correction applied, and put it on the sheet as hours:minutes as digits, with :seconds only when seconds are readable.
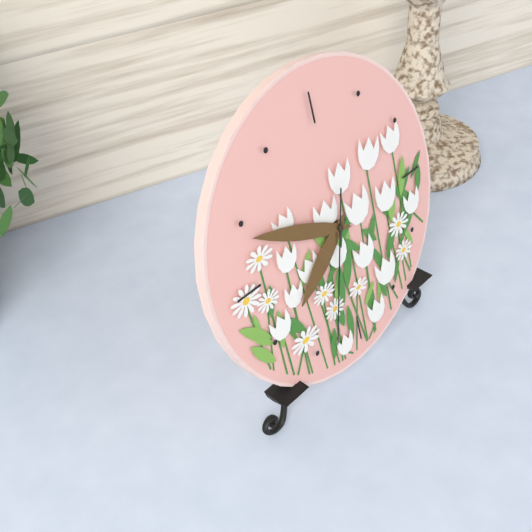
7:49:33
